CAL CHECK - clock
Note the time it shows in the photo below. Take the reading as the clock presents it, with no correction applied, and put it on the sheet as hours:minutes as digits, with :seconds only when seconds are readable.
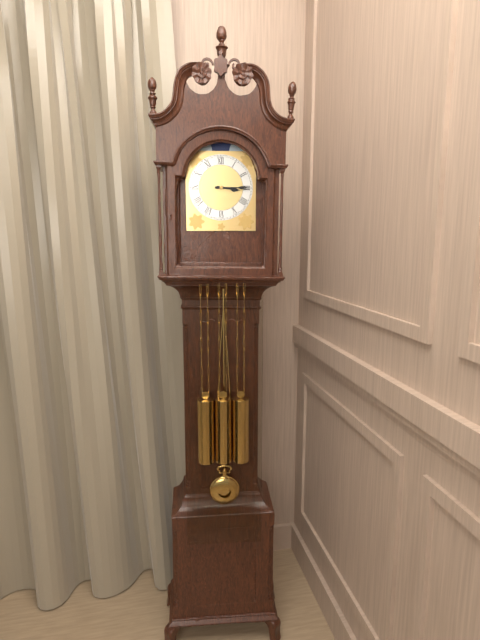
3:15
